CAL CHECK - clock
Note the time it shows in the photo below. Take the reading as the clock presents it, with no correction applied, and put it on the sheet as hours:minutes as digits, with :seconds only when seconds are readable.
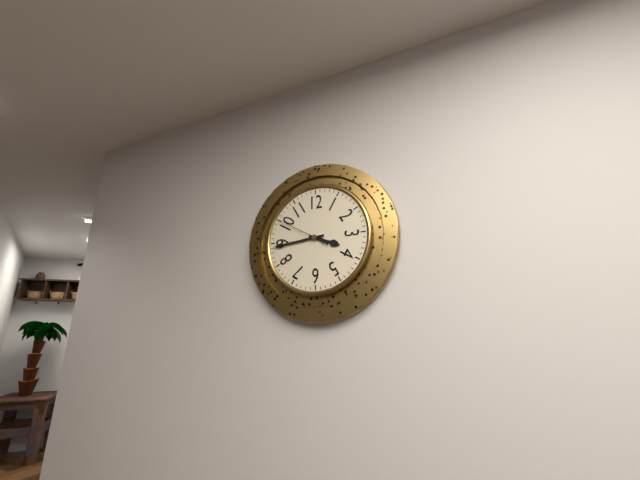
3:44:50
